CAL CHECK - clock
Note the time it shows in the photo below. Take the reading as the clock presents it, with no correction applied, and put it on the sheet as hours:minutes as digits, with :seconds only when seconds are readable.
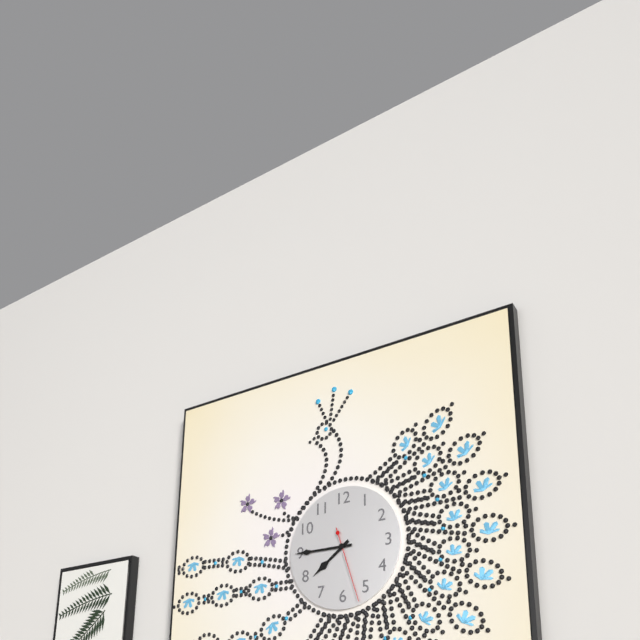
7:45:27
